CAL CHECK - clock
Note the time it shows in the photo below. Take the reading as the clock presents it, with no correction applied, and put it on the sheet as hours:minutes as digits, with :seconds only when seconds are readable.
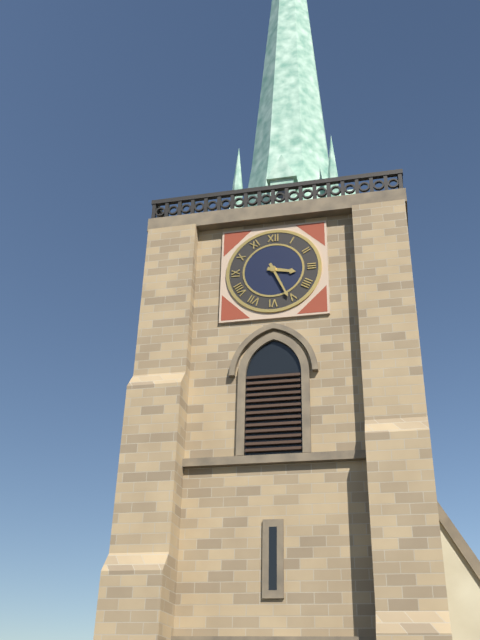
3:26
